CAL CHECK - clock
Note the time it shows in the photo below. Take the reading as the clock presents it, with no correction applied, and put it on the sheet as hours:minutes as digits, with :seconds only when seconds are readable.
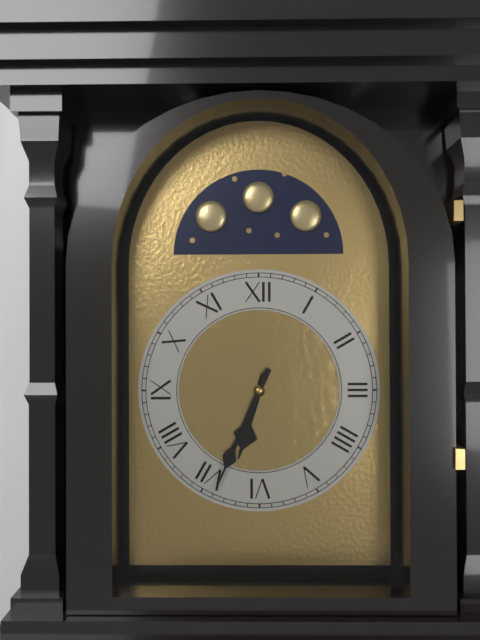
6:34
